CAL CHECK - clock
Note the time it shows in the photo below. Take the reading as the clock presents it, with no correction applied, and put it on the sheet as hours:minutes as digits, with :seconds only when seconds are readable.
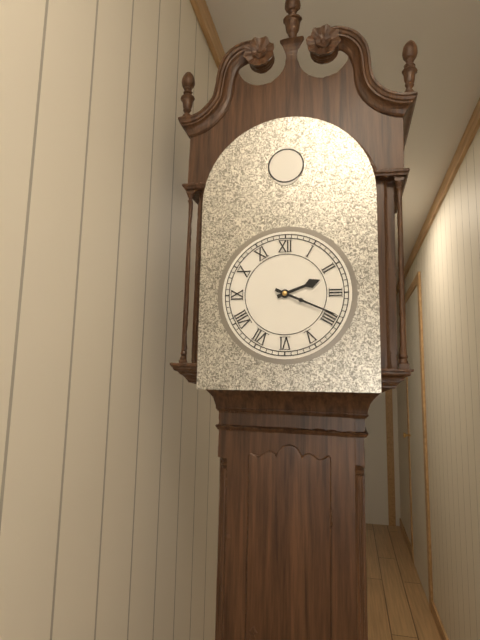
2:19
